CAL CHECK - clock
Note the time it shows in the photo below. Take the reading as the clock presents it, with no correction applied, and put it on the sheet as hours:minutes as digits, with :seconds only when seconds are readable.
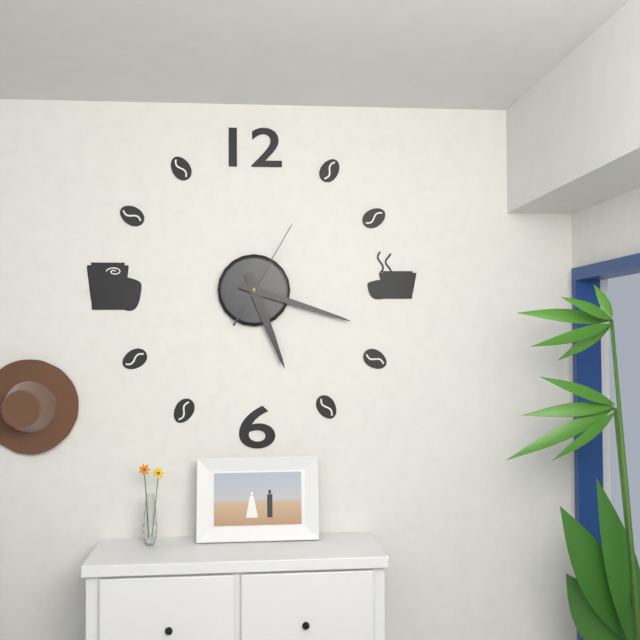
5:18:05
